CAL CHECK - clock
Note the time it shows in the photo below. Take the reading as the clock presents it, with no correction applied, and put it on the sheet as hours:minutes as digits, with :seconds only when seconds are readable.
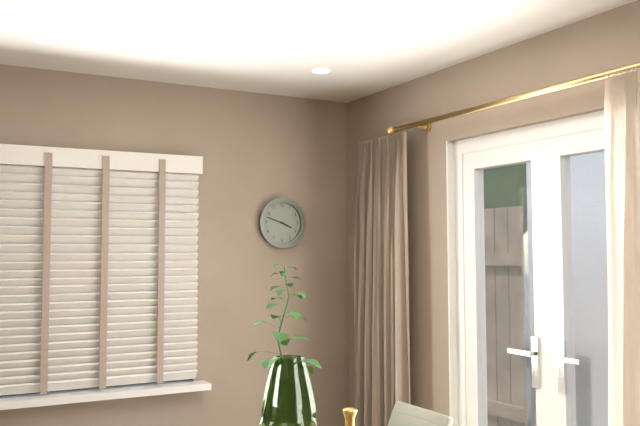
3:48
